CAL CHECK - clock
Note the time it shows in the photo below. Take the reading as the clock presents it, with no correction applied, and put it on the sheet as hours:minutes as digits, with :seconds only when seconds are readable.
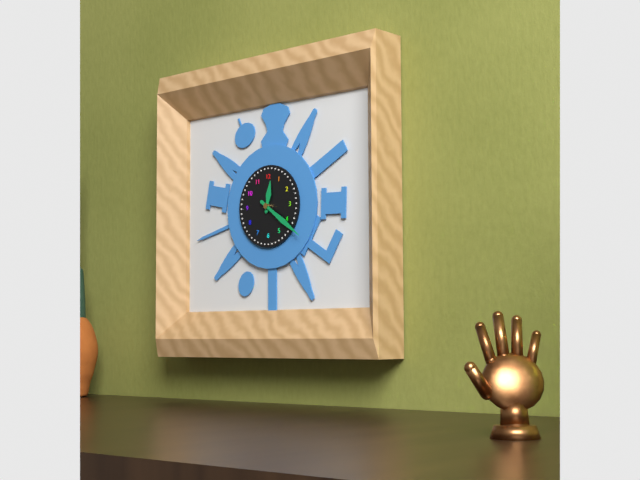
12:21
